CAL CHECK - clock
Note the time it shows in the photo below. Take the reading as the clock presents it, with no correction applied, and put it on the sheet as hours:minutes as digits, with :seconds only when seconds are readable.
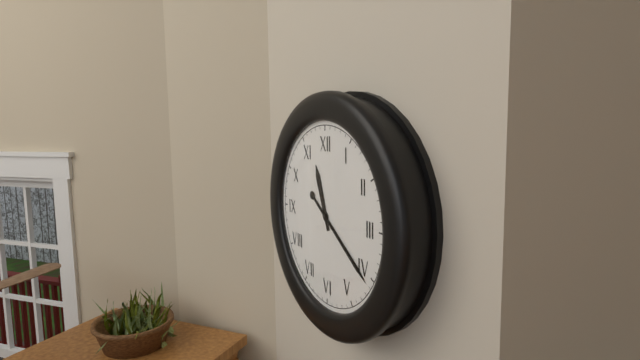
11:21
